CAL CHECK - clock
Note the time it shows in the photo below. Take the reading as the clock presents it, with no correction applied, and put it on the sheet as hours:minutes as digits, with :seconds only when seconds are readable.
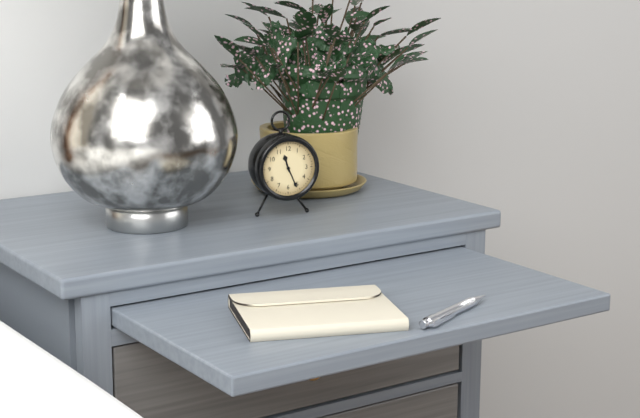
11:26
